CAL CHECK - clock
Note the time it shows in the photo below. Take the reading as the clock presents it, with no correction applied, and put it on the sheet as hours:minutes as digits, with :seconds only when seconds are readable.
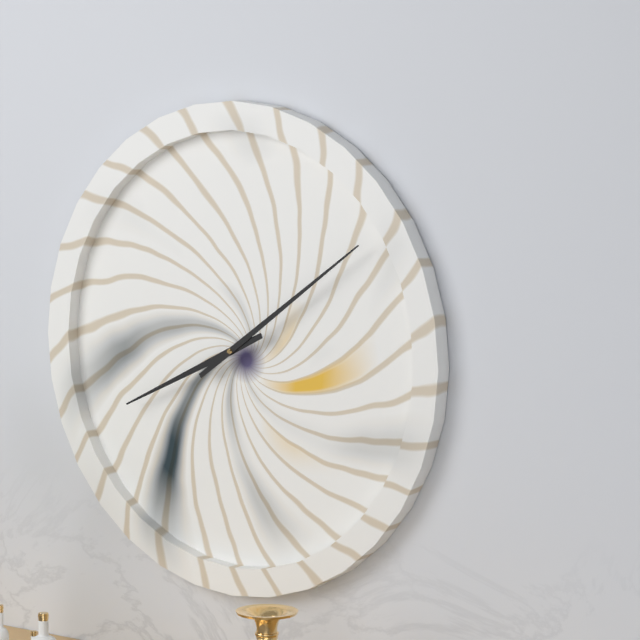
8:09
